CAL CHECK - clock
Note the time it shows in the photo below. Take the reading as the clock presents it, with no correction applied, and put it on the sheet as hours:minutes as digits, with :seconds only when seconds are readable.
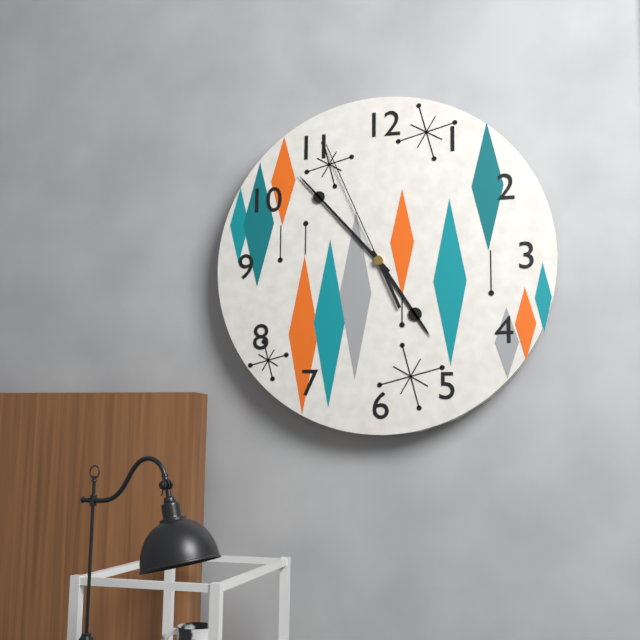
4:53:56
